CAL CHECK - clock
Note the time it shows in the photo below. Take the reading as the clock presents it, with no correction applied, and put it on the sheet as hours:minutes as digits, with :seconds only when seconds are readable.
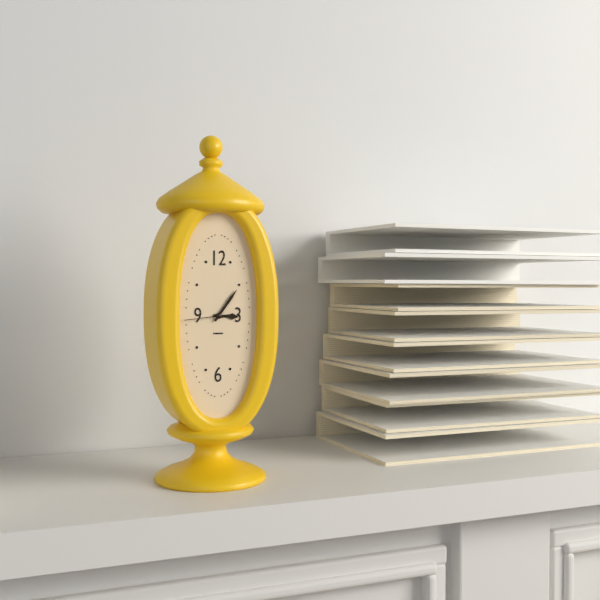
3:06
